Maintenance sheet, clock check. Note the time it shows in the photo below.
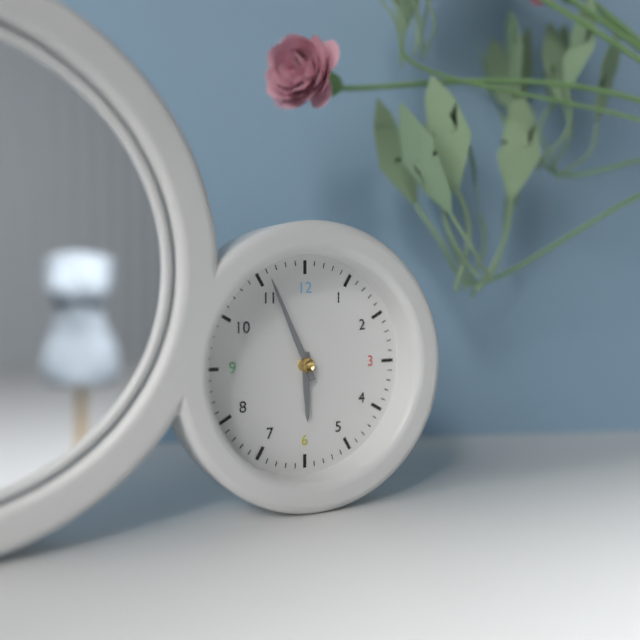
5:56
